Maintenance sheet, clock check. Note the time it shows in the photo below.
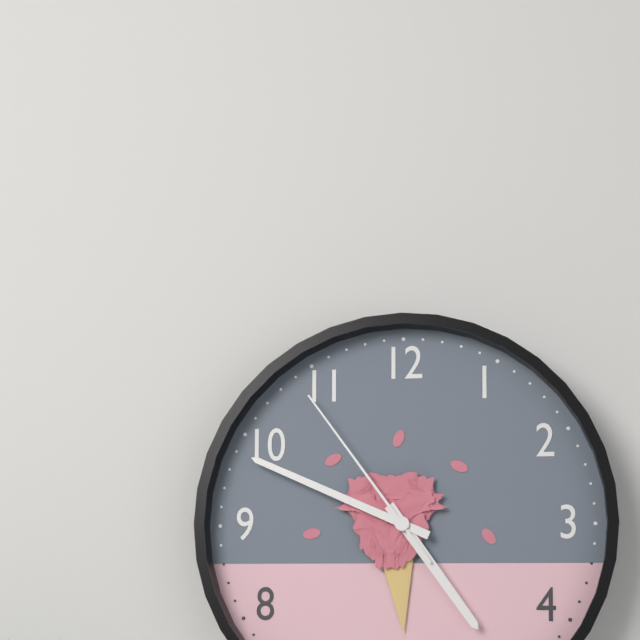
4:49:54
